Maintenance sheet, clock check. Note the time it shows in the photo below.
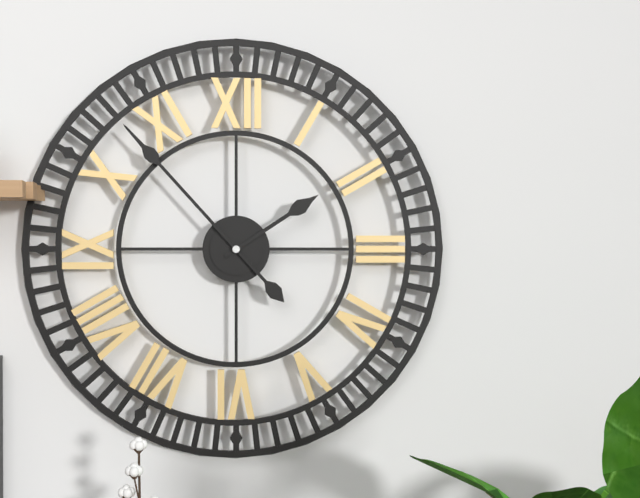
1:53
